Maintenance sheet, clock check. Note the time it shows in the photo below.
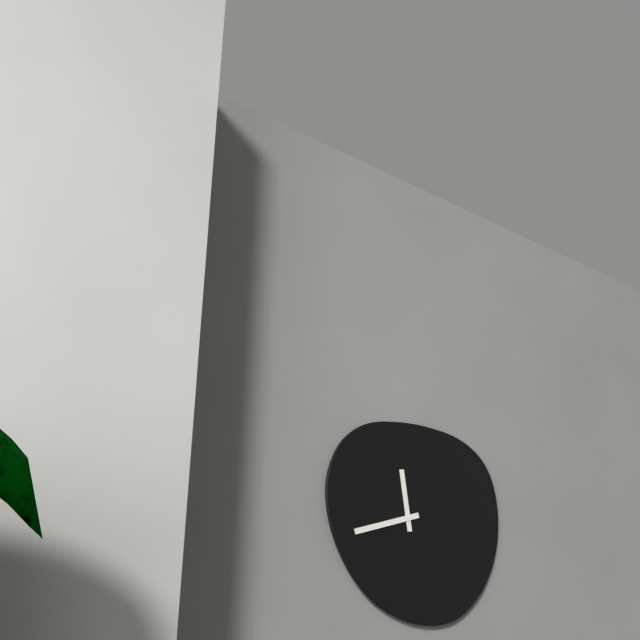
11:42
